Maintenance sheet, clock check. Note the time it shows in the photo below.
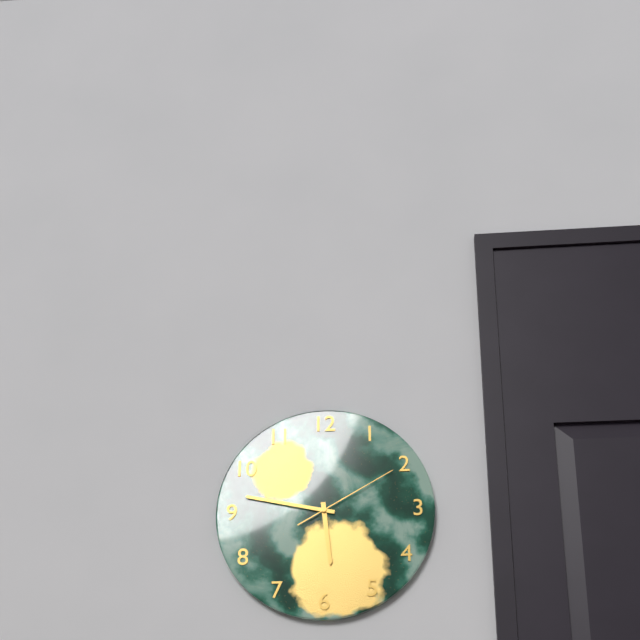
5:47:10
